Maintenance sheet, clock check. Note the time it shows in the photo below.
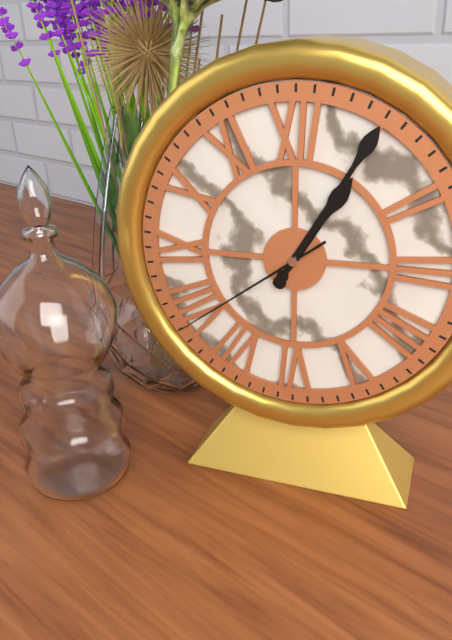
1:05:39
